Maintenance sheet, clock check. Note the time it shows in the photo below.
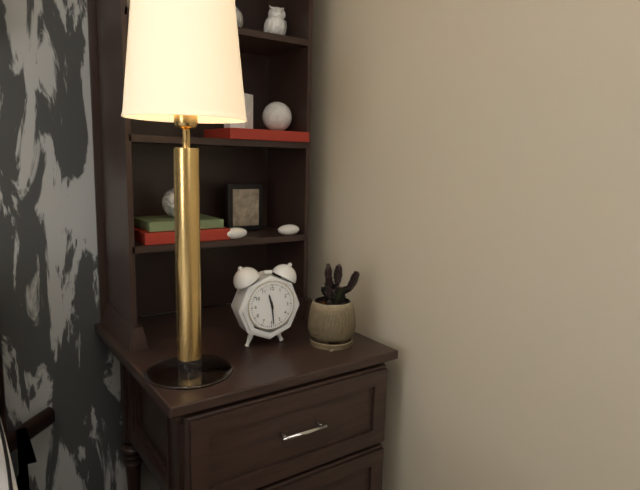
11:29
